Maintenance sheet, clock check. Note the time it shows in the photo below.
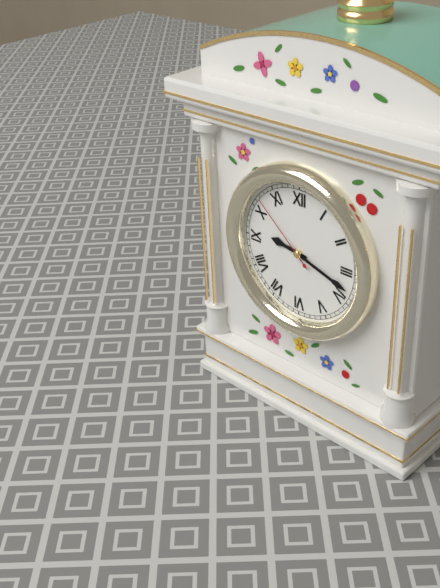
9:18:52
